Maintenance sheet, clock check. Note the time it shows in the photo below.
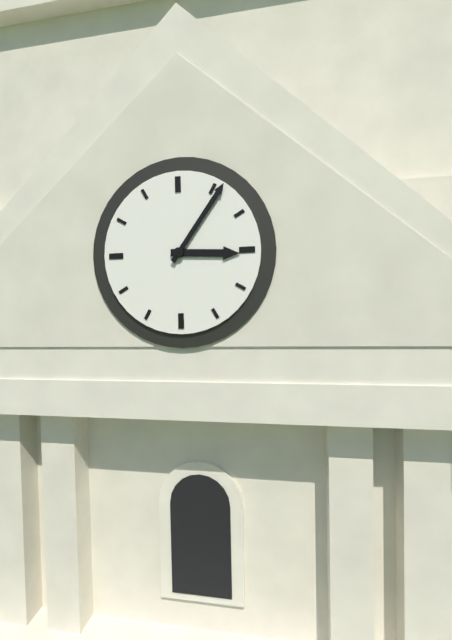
3:06
